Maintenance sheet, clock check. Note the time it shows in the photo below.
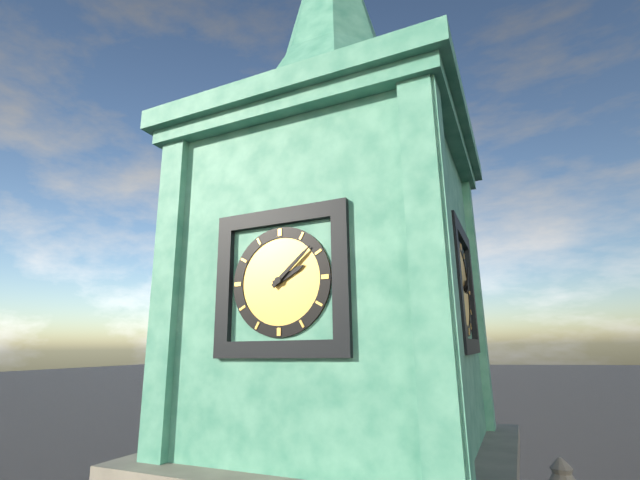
2:08
